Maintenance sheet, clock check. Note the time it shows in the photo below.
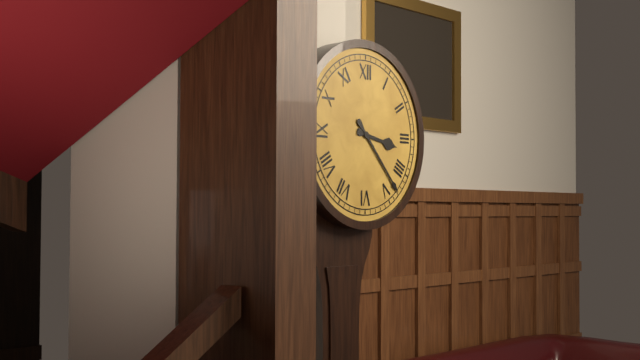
3:23
